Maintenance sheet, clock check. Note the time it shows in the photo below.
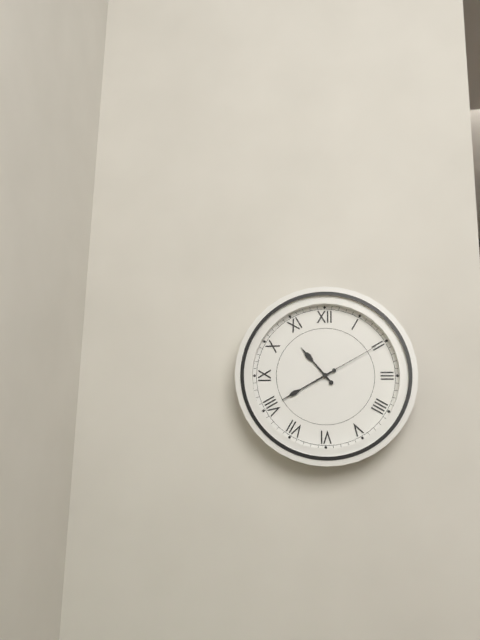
10:40:10
